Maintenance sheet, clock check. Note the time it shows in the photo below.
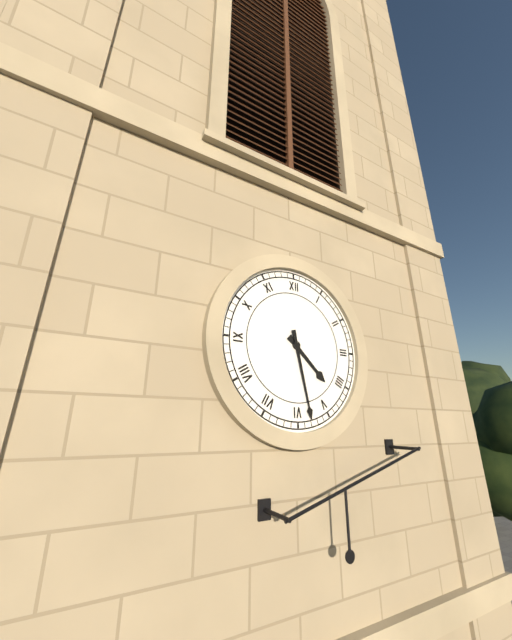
4:28
